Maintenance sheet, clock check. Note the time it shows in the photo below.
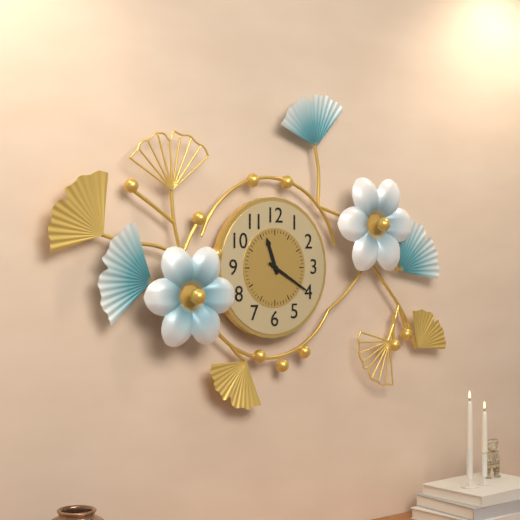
11:20
